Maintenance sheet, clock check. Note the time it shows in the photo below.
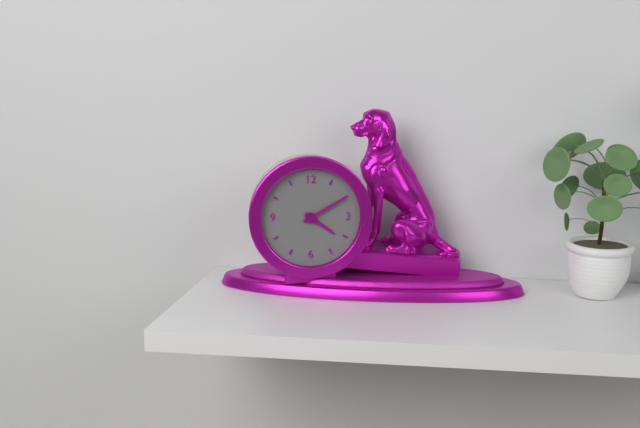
4:10
